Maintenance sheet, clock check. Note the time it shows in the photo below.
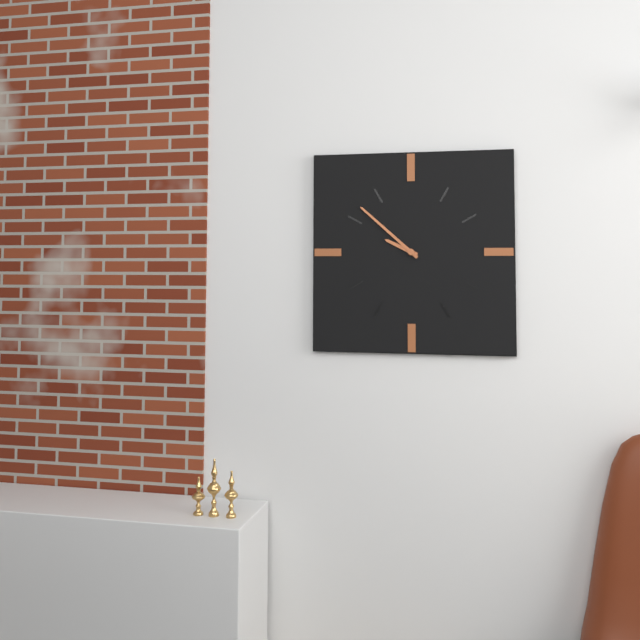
9:52
